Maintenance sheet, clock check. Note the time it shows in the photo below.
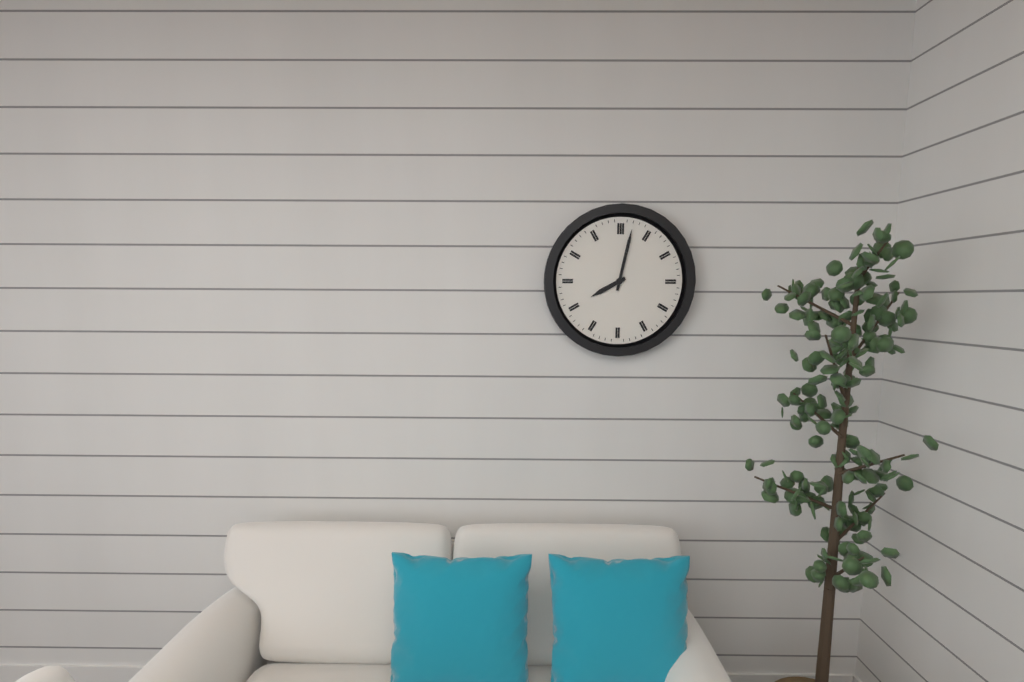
8:02
